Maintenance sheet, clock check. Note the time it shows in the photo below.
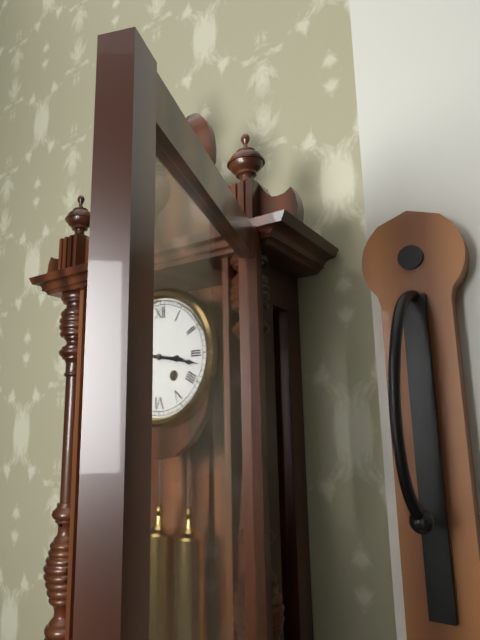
3:17
